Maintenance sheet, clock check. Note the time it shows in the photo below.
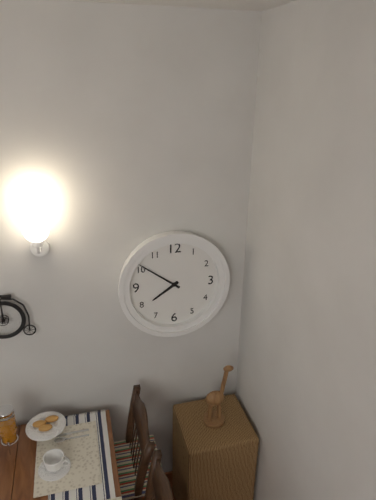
7:51
